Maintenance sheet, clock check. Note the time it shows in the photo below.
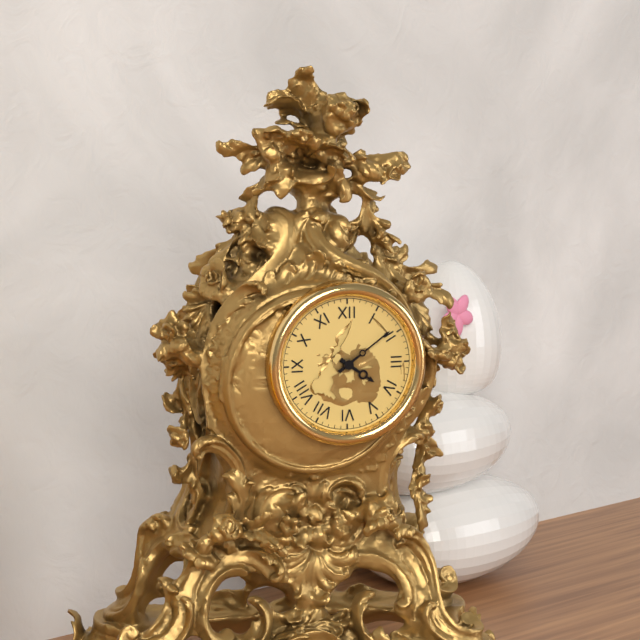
4:09
